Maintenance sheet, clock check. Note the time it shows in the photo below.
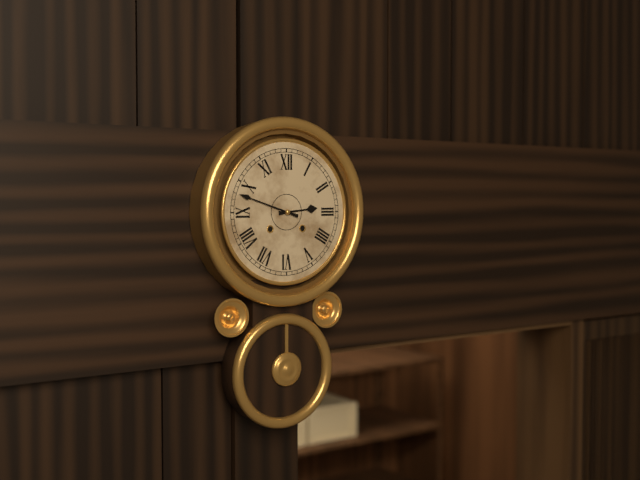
2:48
